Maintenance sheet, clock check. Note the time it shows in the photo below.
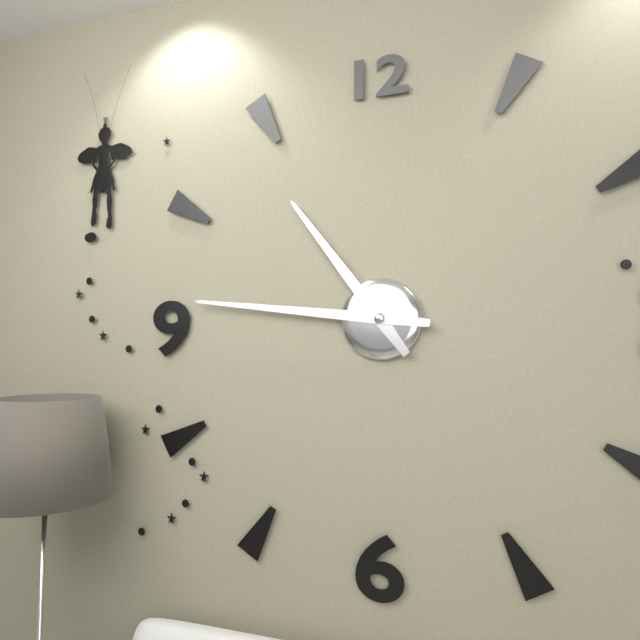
10:46
